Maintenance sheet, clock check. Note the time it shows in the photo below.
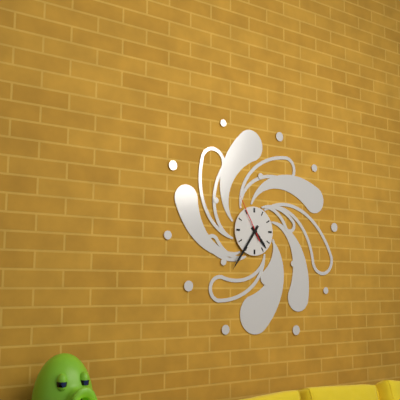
4:36
